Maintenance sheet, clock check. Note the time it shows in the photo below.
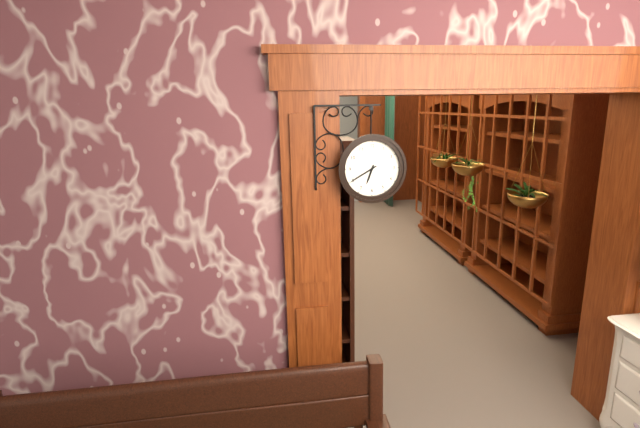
6:40
